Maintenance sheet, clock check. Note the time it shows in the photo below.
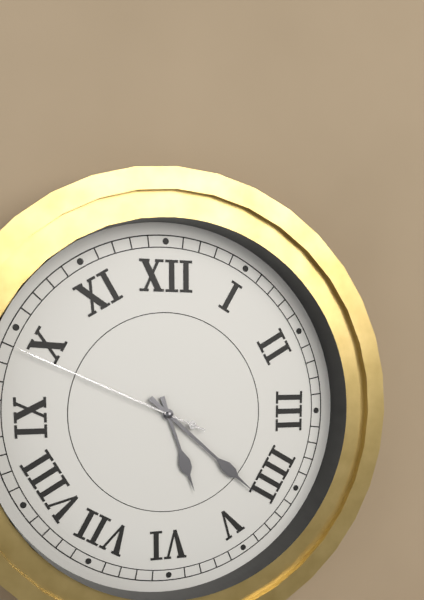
5:22:49
